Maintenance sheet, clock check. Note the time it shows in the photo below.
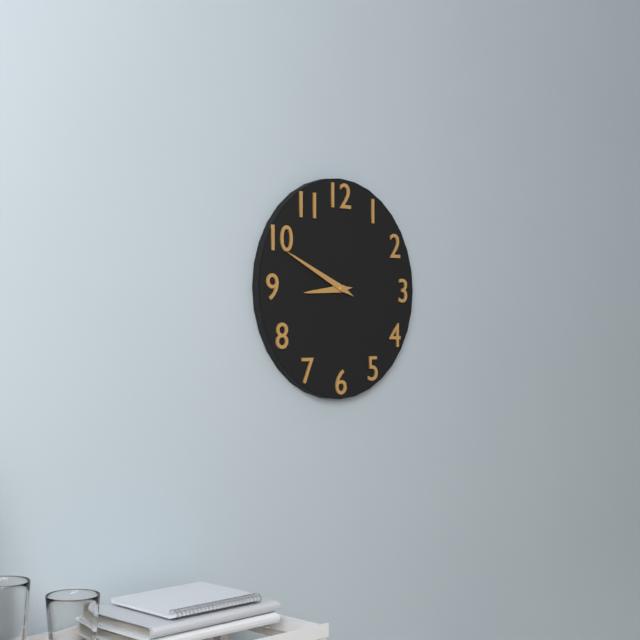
8:49
